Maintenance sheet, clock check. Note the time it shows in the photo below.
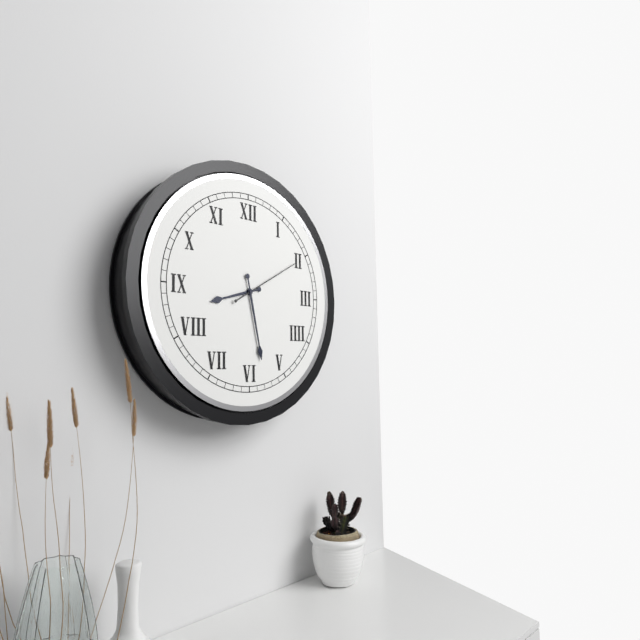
8:28:10
